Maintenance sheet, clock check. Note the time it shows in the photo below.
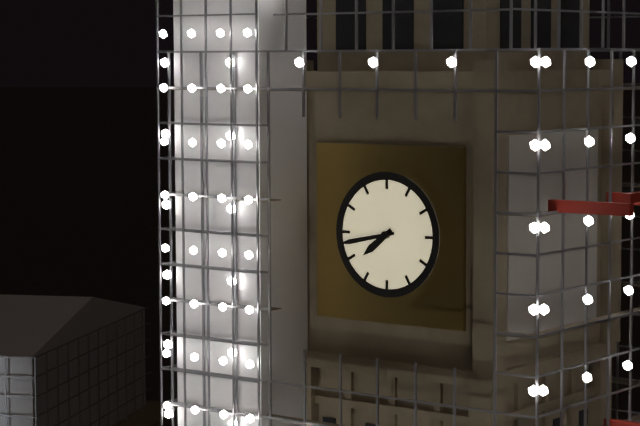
7:43
